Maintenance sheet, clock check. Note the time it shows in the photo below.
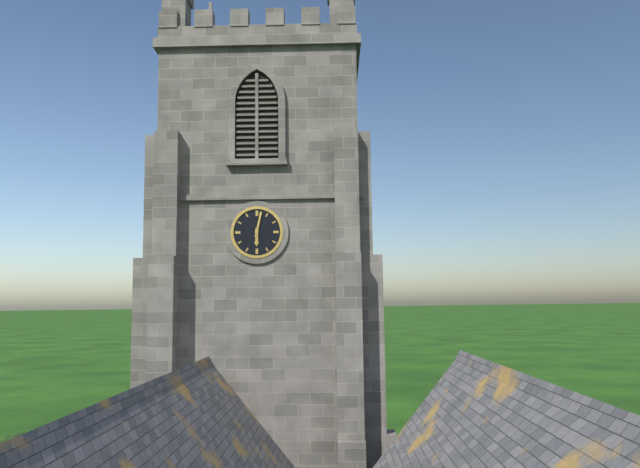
6:02
